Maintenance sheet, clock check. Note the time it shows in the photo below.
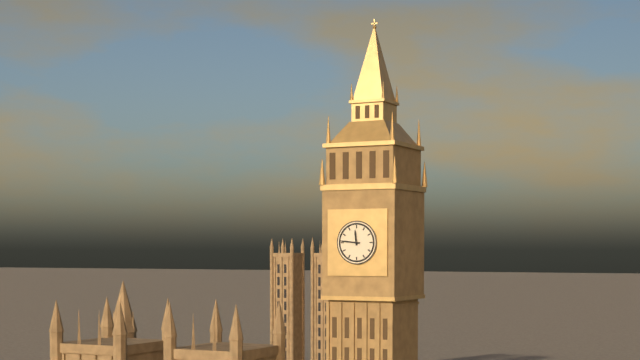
11:46
